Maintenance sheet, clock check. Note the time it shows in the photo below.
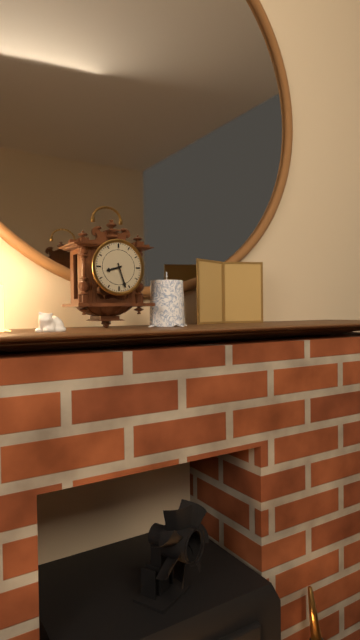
8:27
